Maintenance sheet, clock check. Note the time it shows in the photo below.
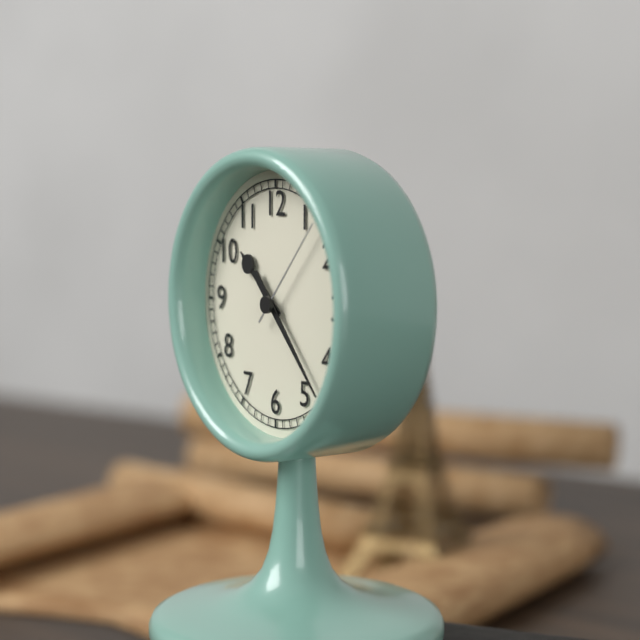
10:23:07
